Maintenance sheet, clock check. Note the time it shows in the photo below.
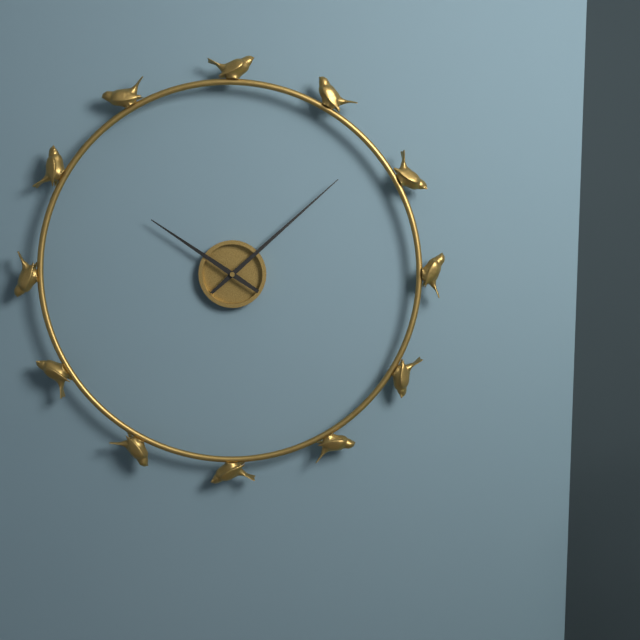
10:08
